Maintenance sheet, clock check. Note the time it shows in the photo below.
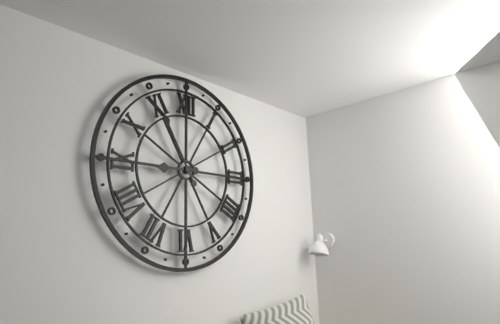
8:55
